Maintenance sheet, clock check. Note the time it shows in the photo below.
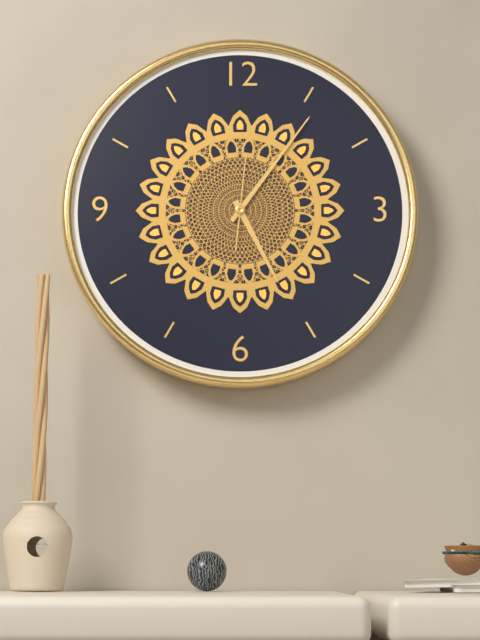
5:06:01
